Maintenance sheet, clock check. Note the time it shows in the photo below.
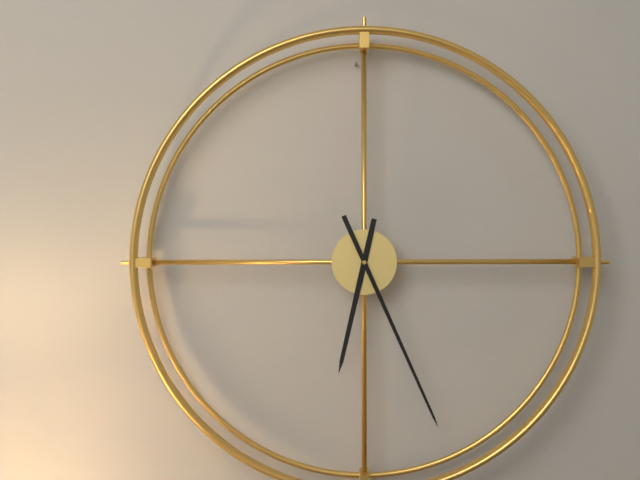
6:26
